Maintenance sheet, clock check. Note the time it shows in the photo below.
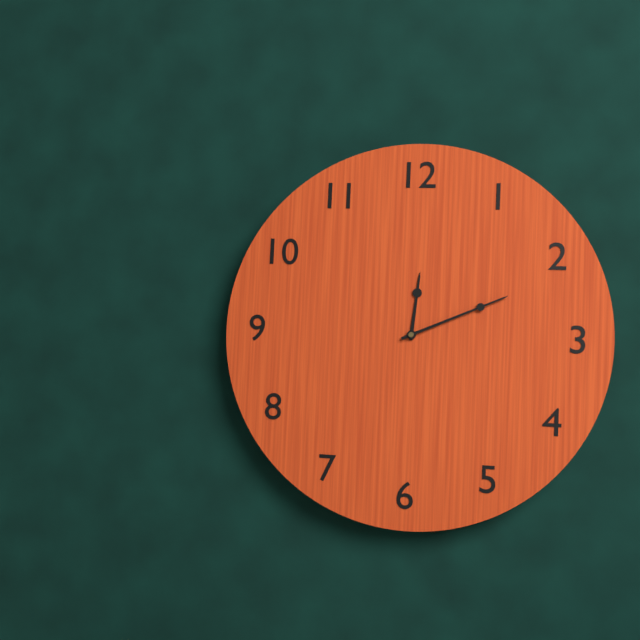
12:11
